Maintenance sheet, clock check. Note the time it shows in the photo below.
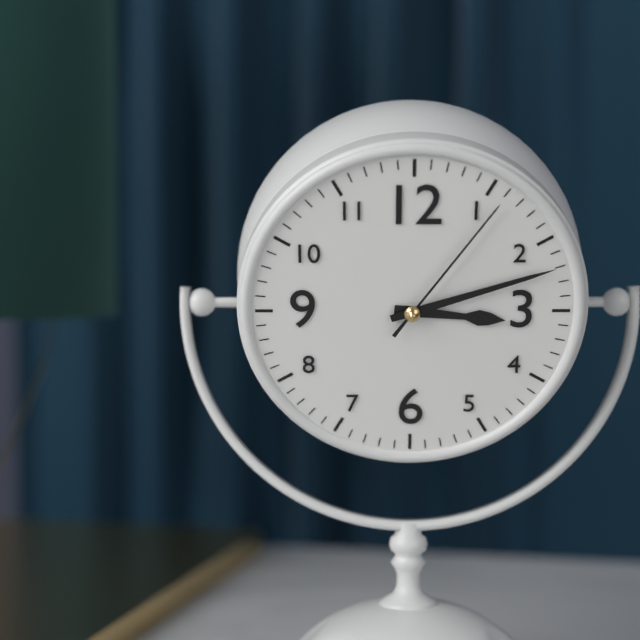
3:12:06
